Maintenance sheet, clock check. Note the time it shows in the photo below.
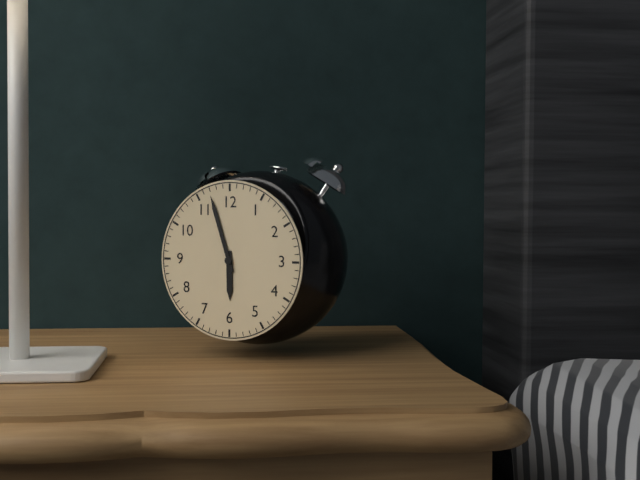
5:57
